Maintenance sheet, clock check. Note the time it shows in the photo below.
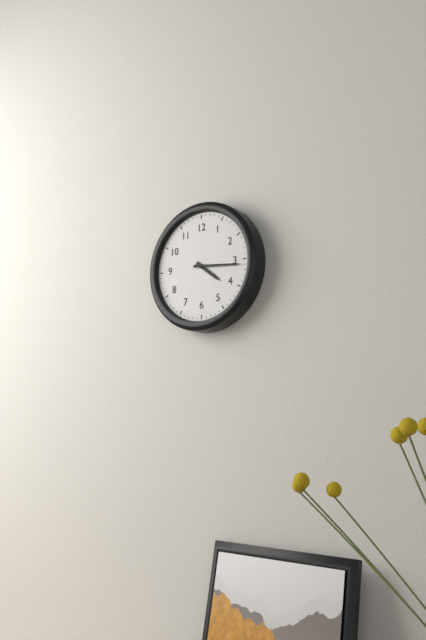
4:16
